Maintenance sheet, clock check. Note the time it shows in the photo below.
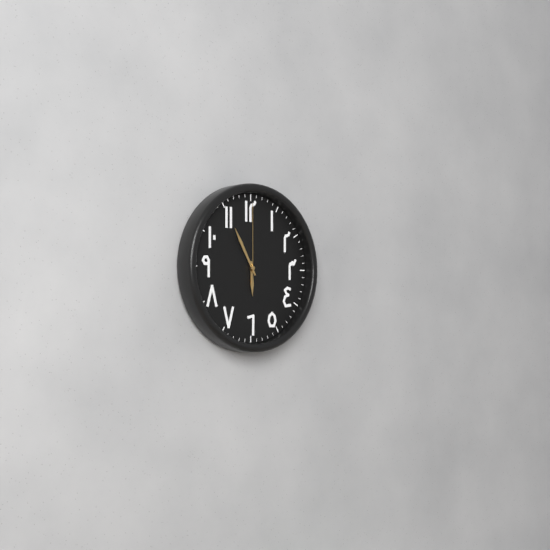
5:55:00
